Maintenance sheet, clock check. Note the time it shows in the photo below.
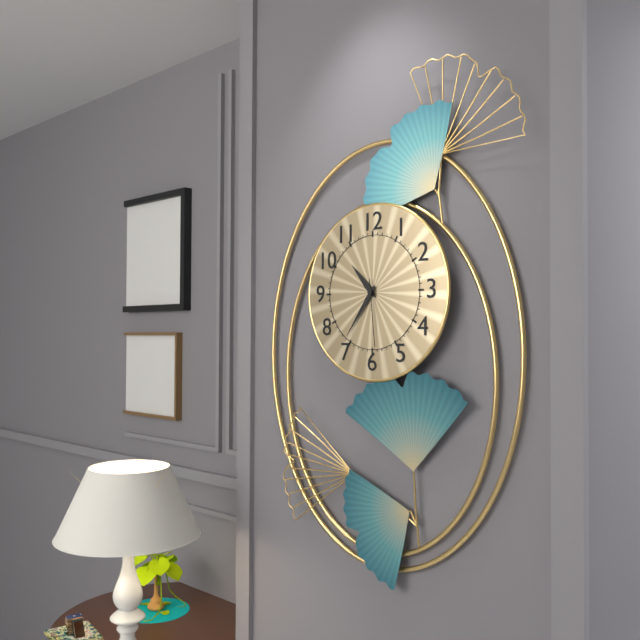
10:36:29
